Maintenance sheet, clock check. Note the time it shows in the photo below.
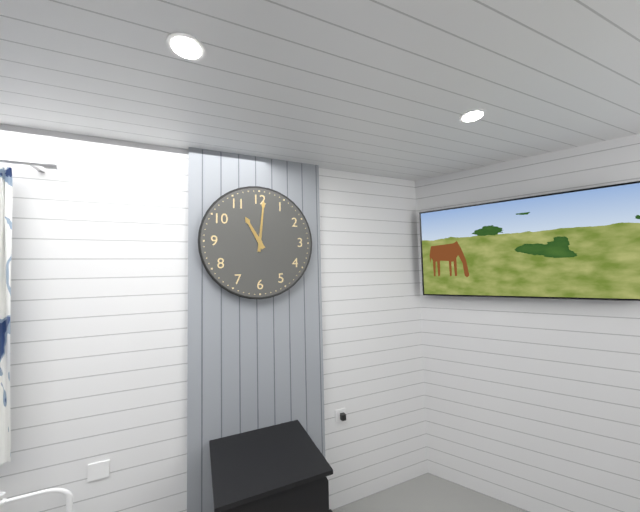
11:01
